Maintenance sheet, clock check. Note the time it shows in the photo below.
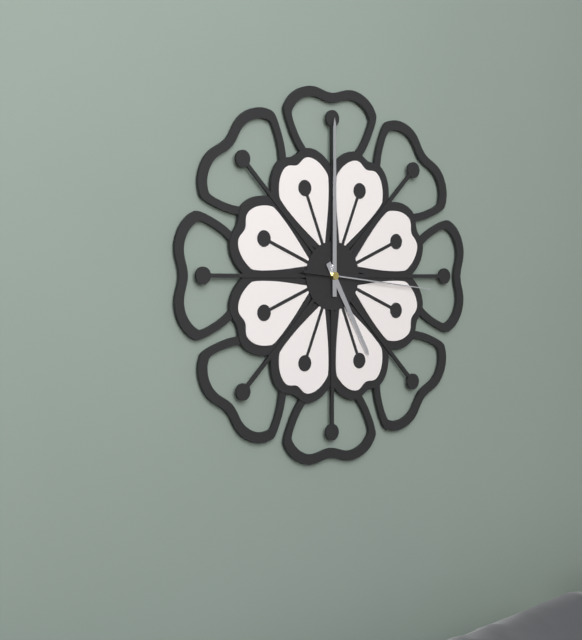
5:00:16
